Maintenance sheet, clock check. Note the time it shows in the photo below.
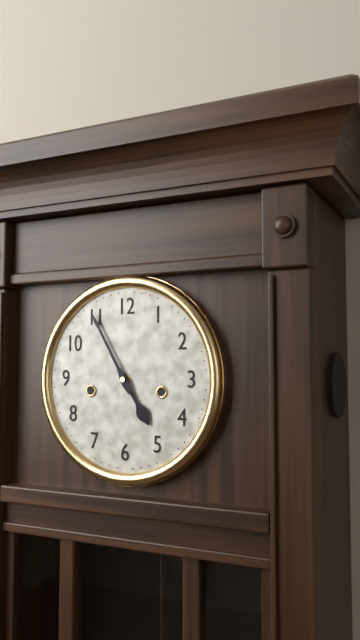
4:55
